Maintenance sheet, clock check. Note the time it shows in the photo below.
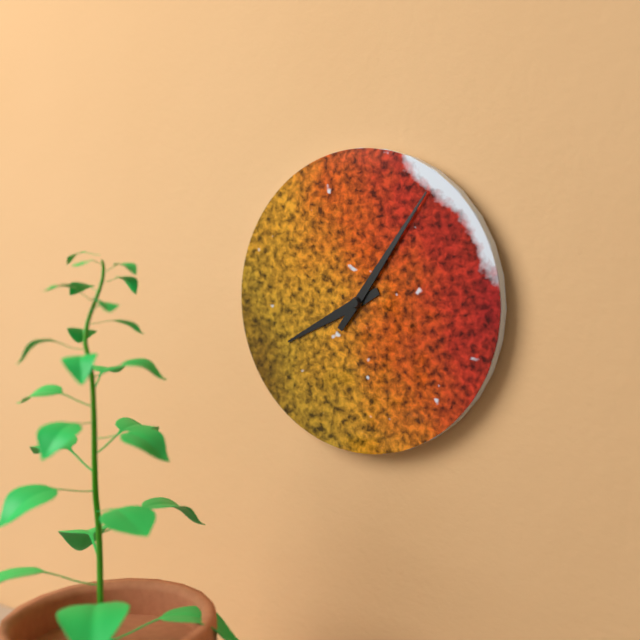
8:06
